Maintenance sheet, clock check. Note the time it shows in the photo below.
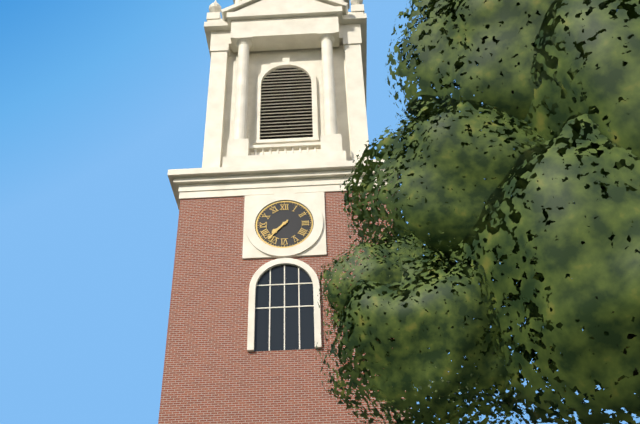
7:37
